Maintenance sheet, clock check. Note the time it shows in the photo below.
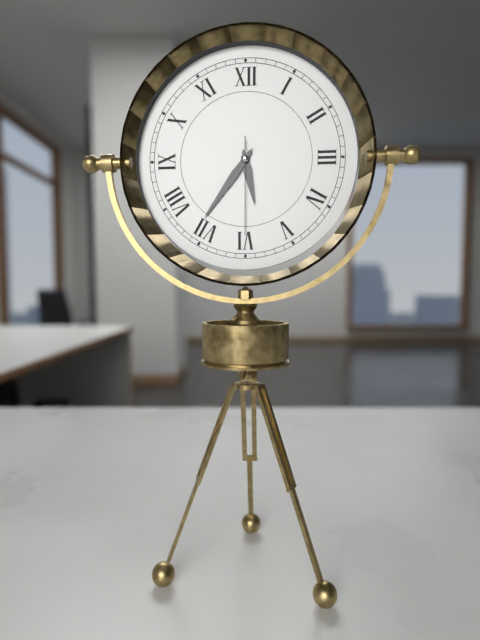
5:36:30
